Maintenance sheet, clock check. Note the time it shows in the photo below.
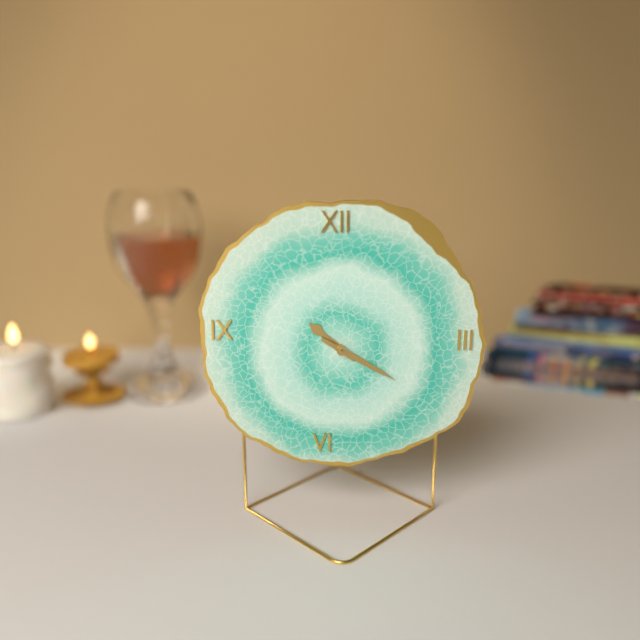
10:20
